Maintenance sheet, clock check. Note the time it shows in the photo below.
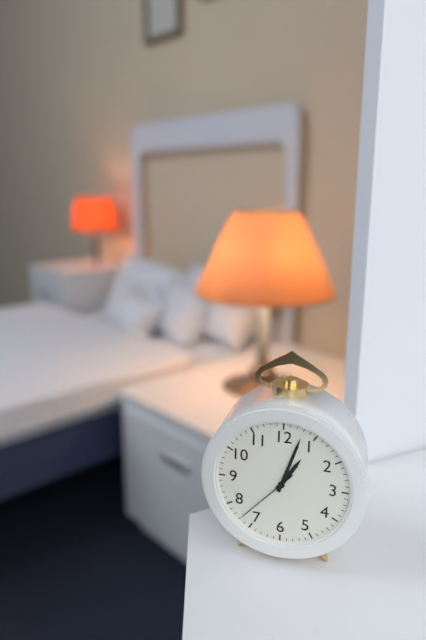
1:03:37
